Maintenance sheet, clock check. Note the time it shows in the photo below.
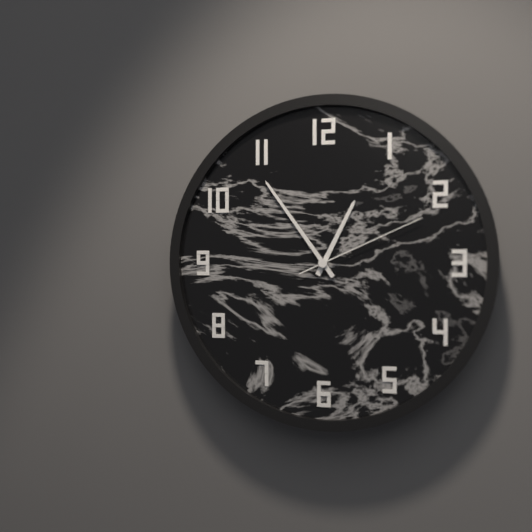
12:54:11
